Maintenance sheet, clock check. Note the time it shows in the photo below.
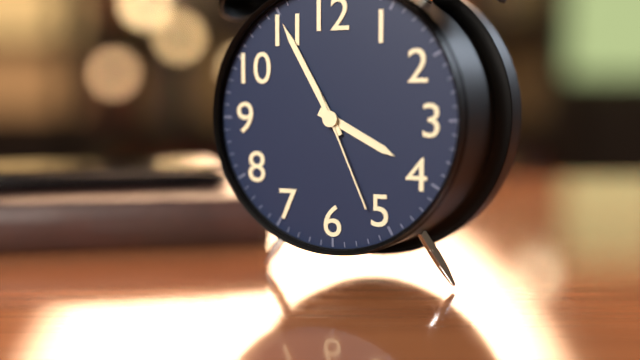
3:55:26
